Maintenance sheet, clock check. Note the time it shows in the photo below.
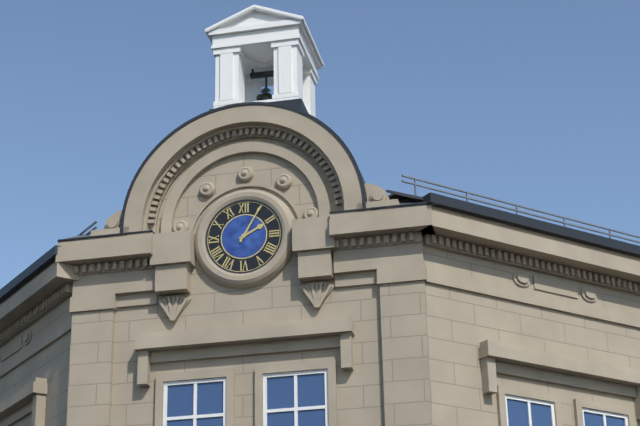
2:05
